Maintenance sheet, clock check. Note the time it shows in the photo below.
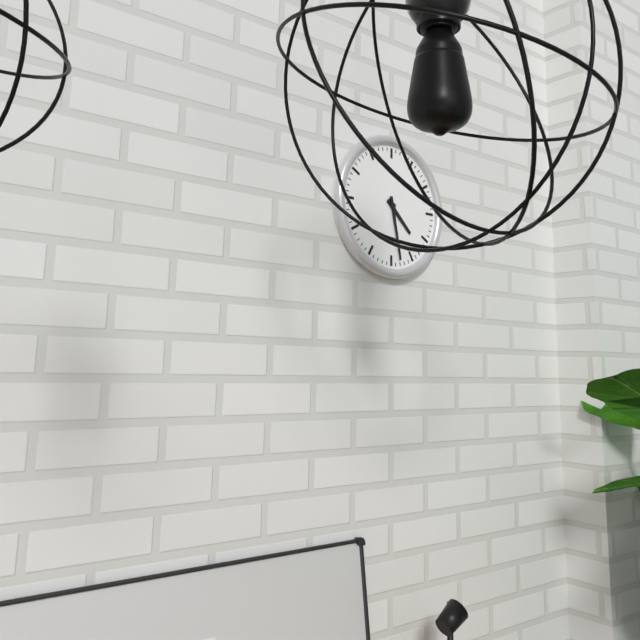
4:28
